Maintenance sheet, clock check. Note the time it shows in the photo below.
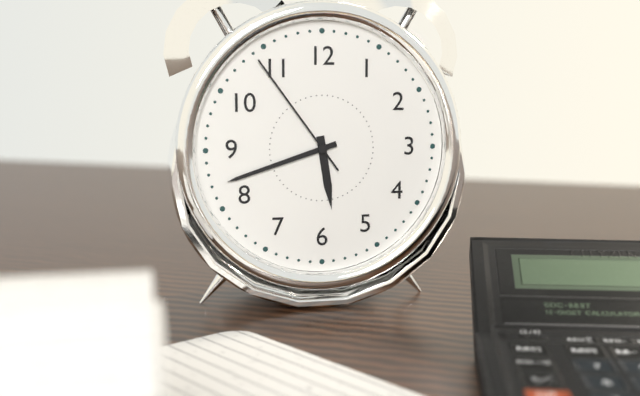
5:42:54
